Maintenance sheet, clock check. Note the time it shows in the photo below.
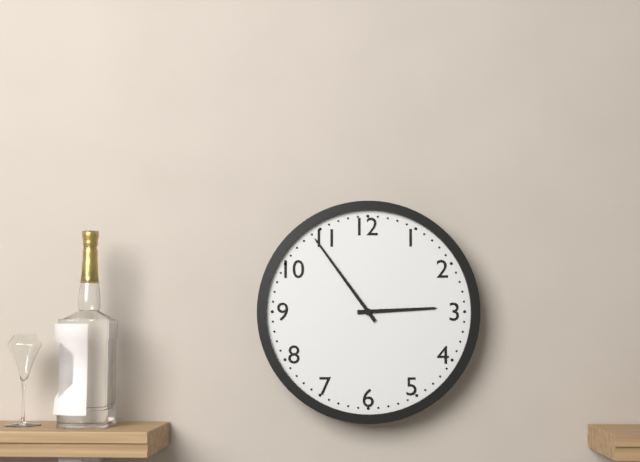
2:54
